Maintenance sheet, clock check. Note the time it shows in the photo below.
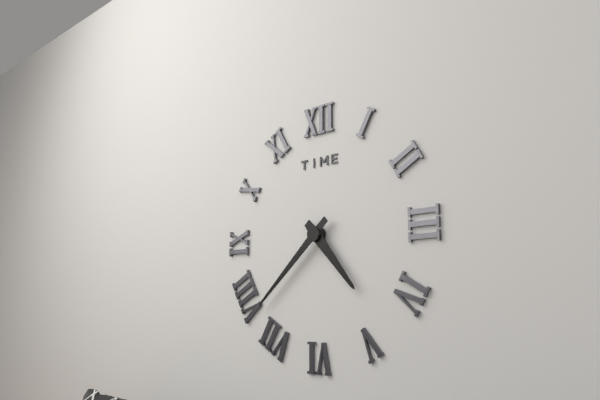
4:38
